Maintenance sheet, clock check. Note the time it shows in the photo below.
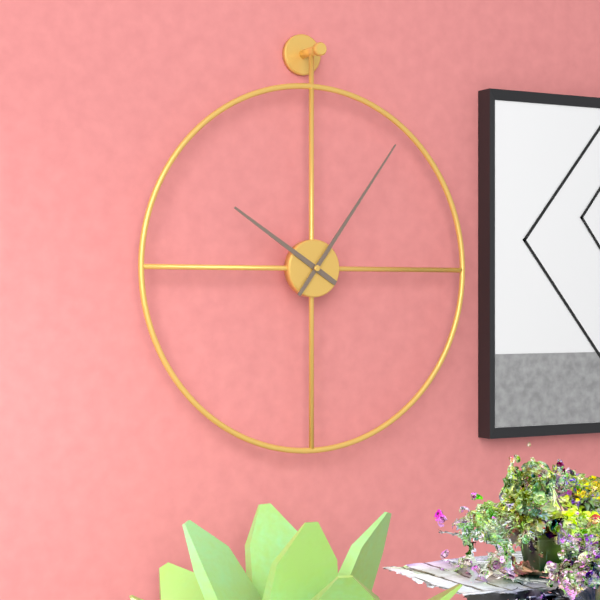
10:06
